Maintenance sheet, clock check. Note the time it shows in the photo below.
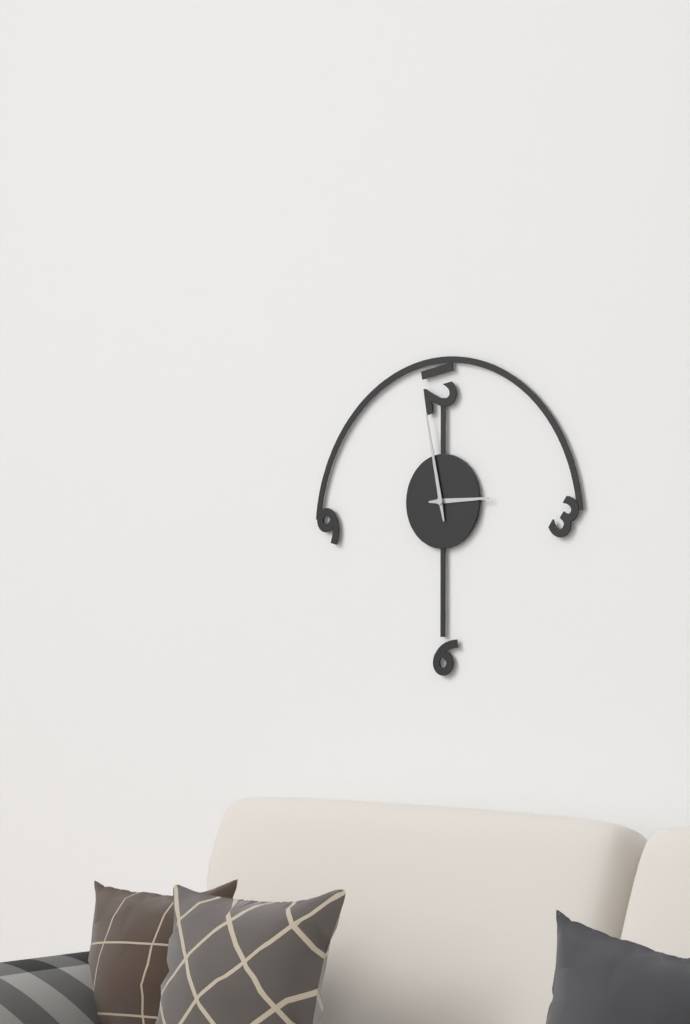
2:58
